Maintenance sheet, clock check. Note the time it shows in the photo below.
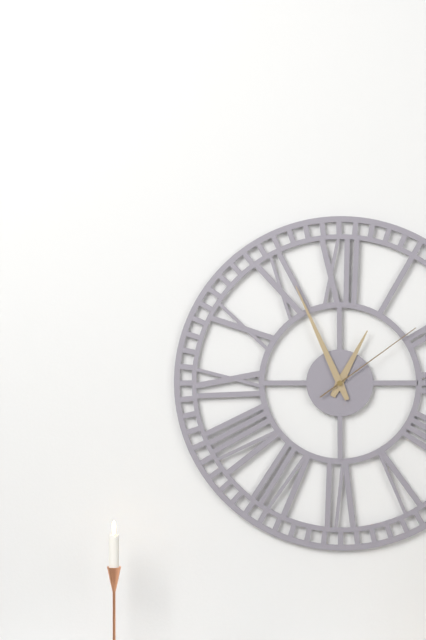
12:56:09
